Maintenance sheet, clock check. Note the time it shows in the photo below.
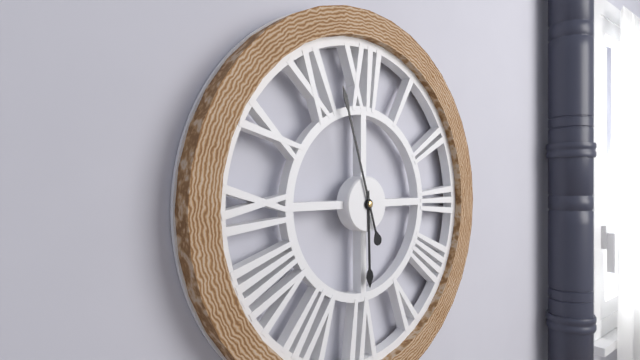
5:57
